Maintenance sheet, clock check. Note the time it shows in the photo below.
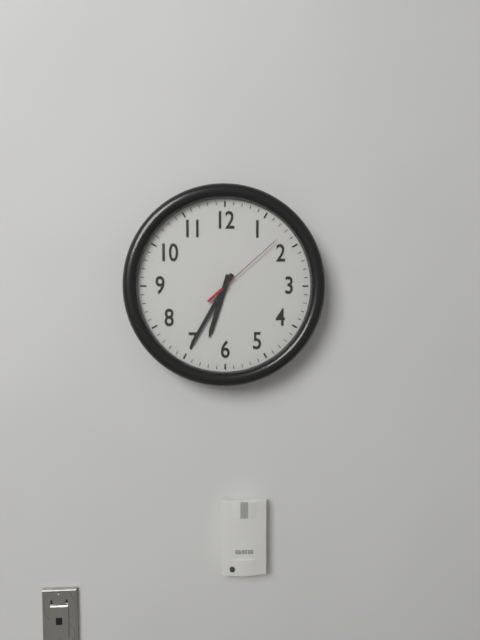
6:35:08
